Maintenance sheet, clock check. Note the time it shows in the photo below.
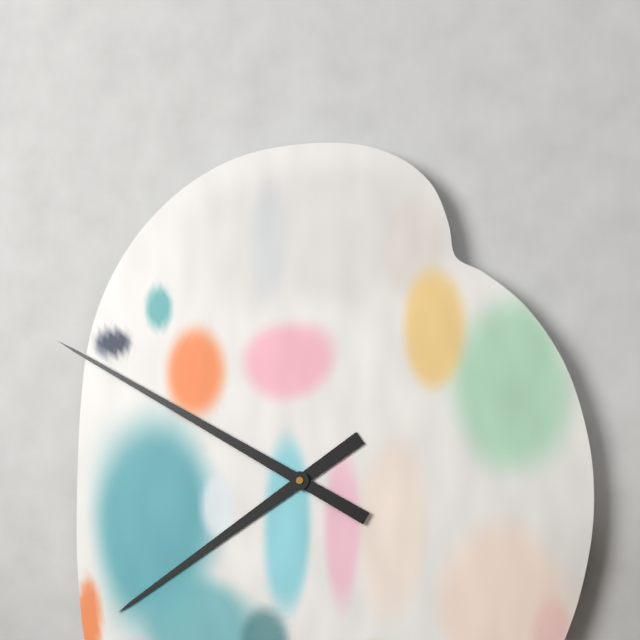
7:50
